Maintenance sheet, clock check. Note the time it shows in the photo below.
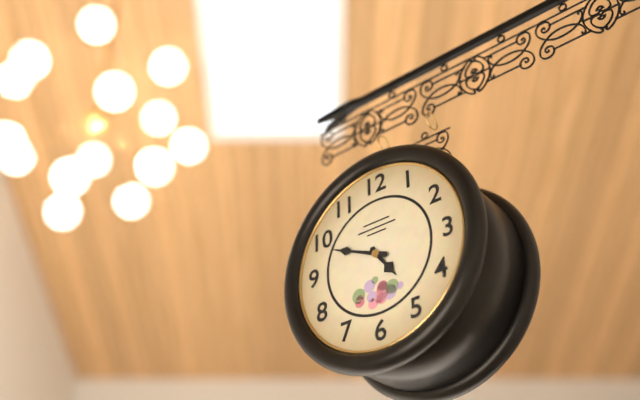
4:49
